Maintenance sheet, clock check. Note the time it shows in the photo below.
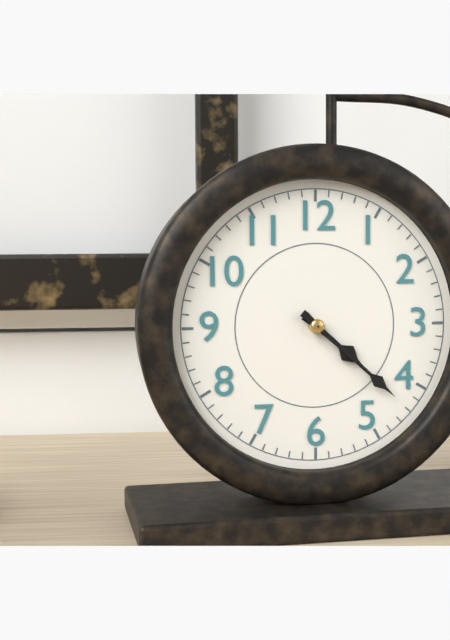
4:22
